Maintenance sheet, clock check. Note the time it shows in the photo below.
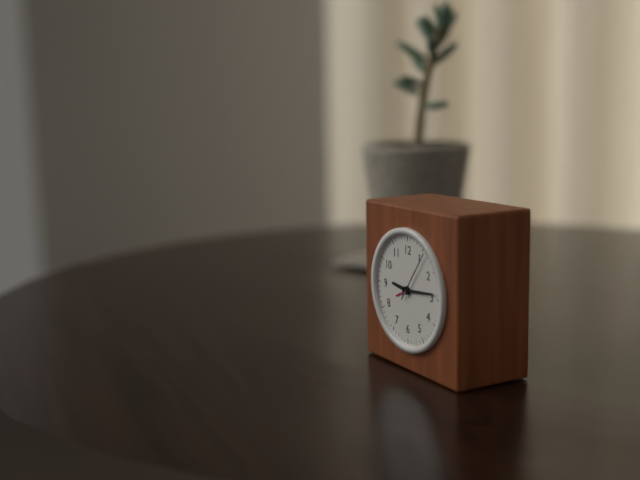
9:14:06
